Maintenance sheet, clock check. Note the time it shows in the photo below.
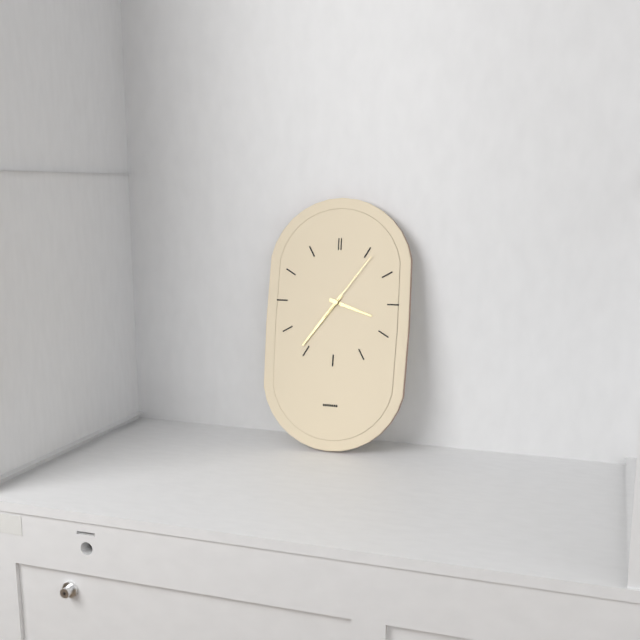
3:36:06
